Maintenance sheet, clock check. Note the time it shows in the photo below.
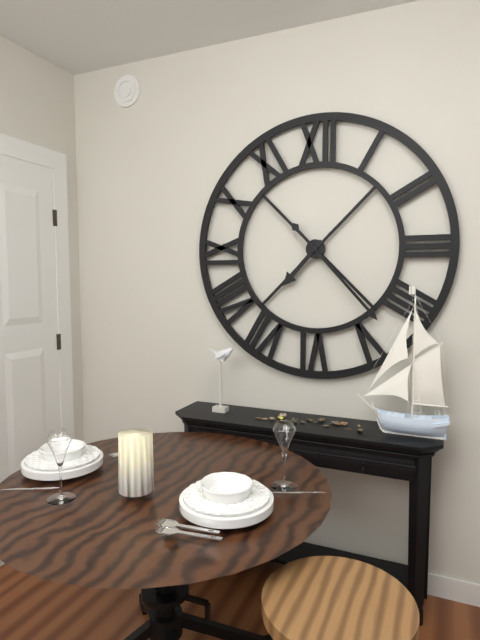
7:23
